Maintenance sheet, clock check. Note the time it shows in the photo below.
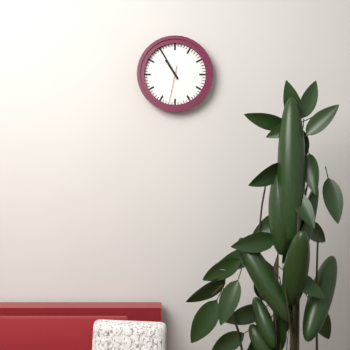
10:55
